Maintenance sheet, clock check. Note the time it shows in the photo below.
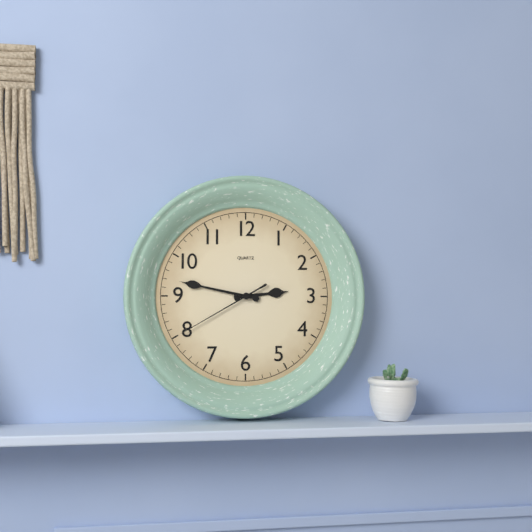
2:47:40
